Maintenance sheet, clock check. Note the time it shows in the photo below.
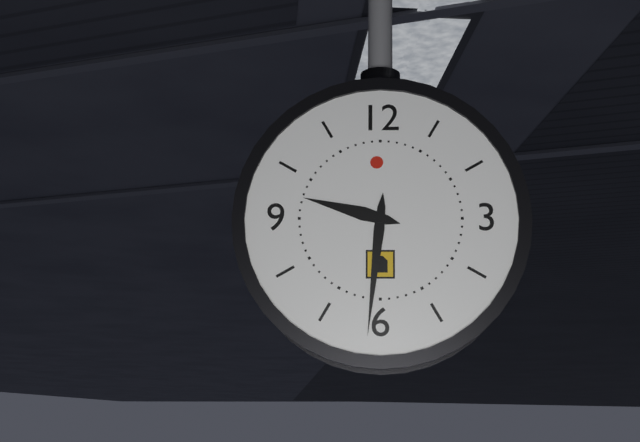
9:31
